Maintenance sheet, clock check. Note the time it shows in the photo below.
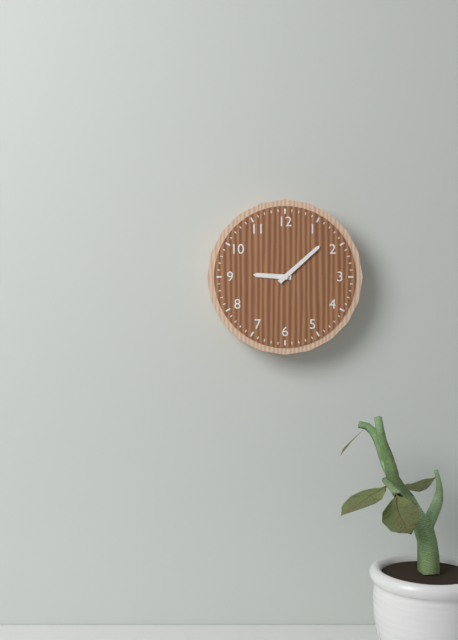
9:08
